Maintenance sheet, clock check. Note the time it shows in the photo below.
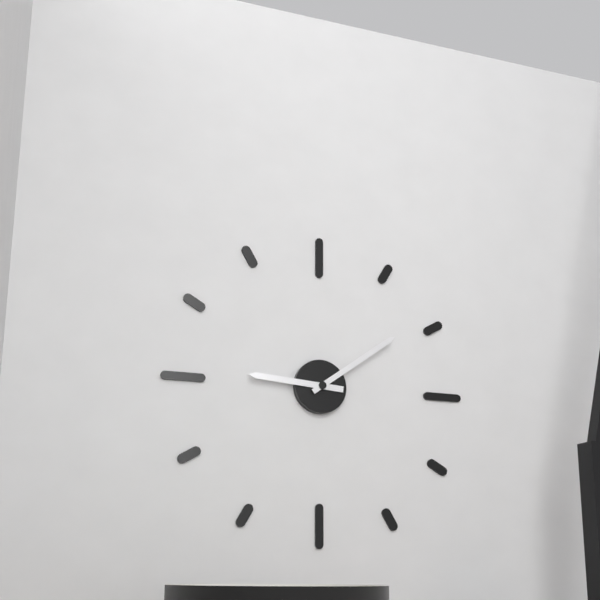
9:09
